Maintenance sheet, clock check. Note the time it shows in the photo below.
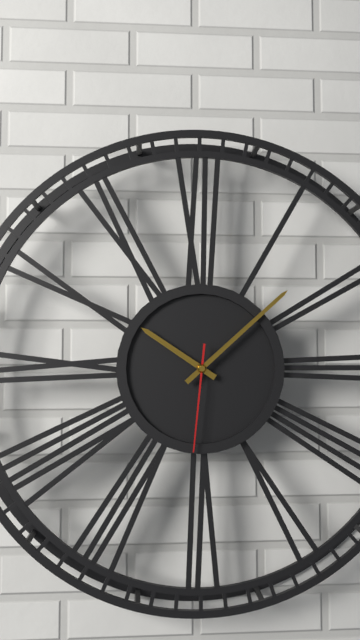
10:08:31
